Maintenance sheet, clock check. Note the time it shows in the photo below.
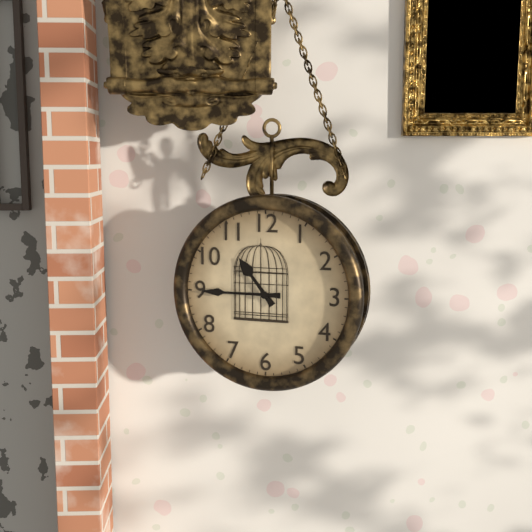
10:45
